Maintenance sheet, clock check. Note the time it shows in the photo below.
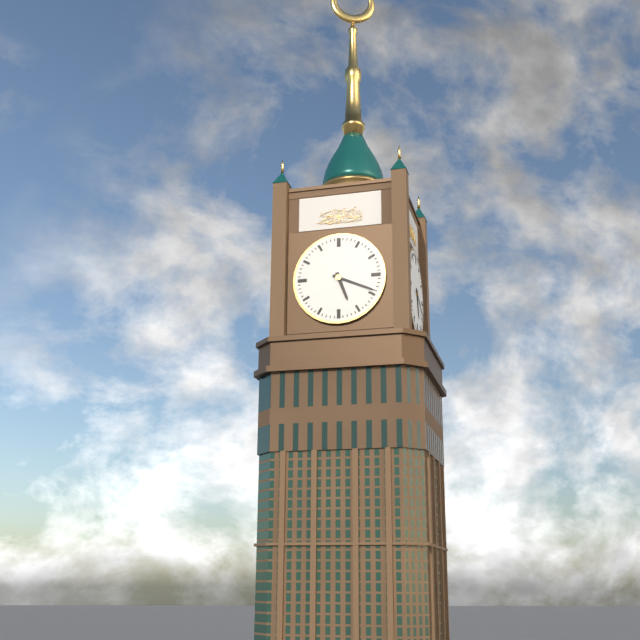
5:19
